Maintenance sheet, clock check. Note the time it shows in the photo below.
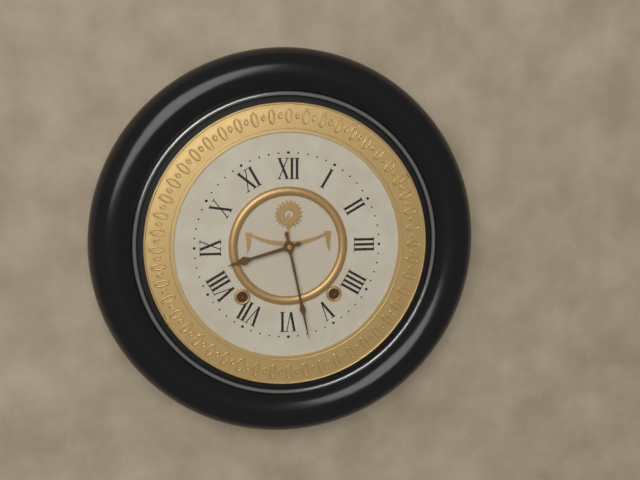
8:28
